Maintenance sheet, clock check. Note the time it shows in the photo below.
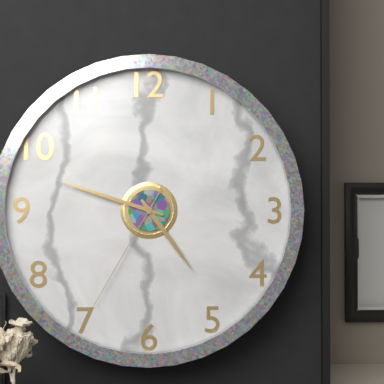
4:48:35
